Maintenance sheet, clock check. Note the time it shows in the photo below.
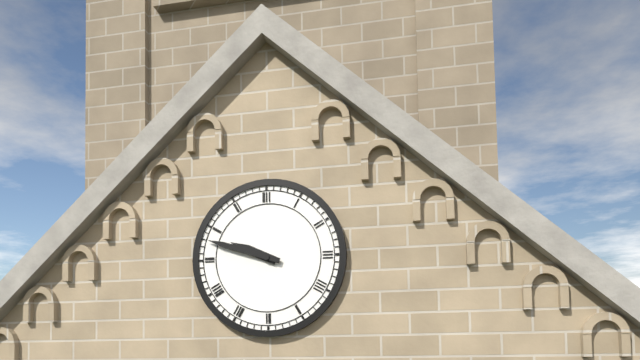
9:48
